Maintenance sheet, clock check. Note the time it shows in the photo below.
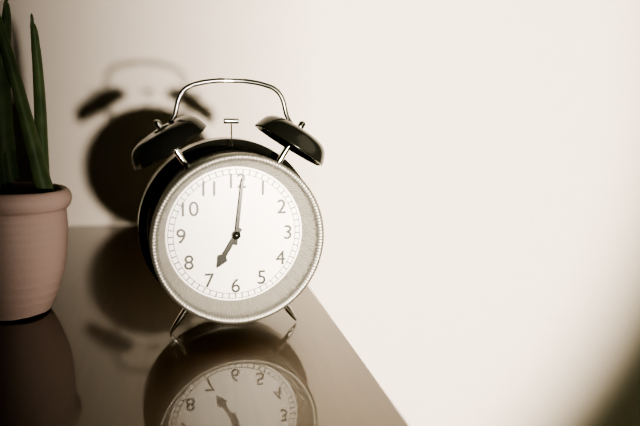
7:01
